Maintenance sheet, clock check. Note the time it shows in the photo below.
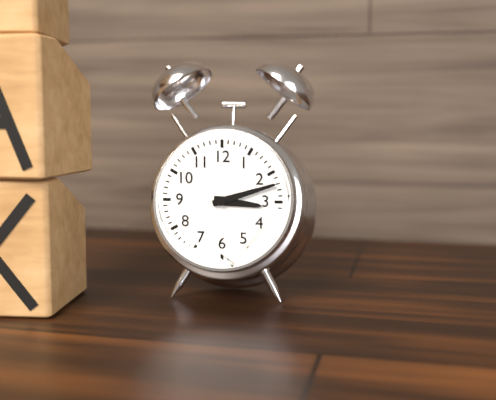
3:12
